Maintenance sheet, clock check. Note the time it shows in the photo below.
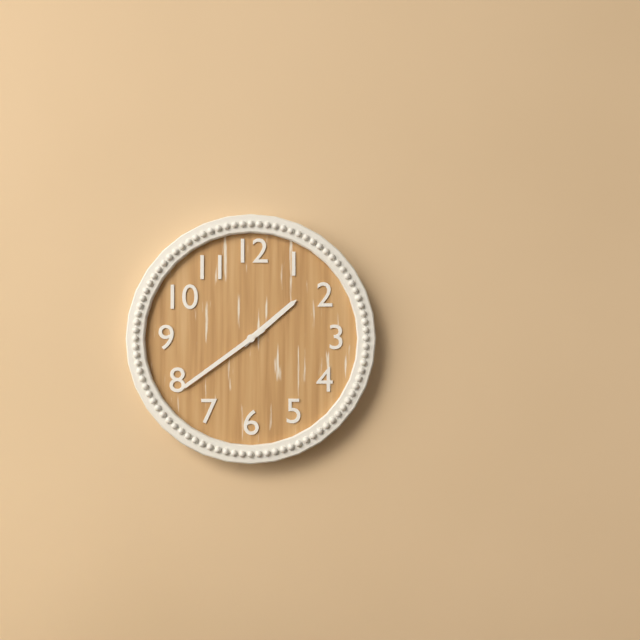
1:39
